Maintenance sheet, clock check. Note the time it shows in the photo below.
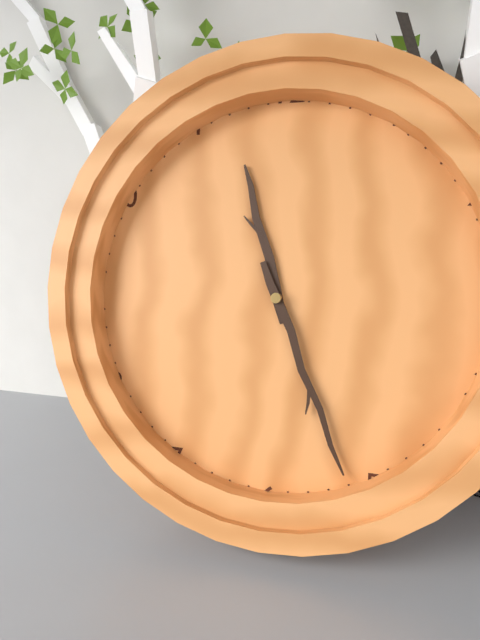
11:26
